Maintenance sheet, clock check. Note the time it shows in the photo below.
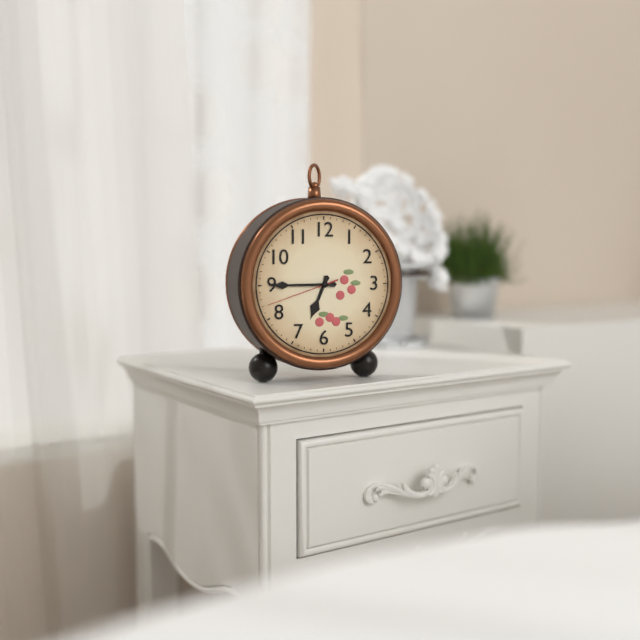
6:45:42
